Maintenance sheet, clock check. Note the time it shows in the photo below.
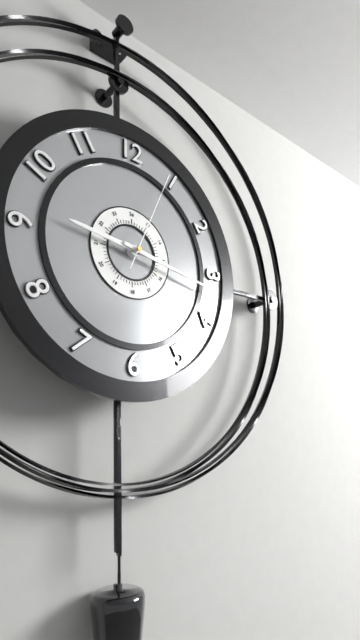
9:17:04
